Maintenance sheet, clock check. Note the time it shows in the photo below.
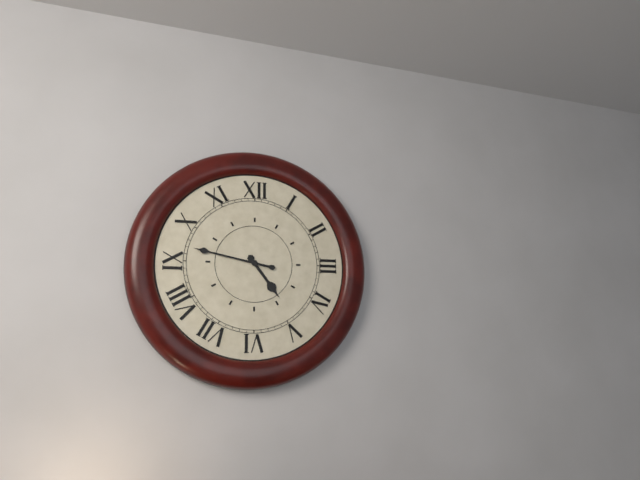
4:47
